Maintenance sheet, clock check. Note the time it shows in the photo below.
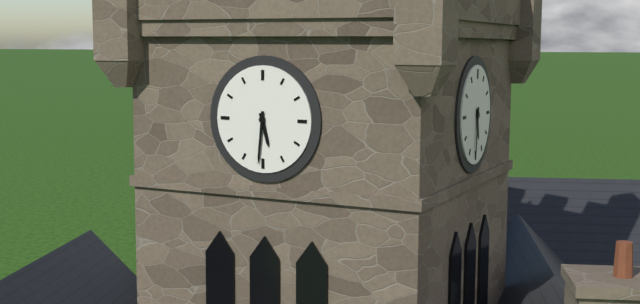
5:31
